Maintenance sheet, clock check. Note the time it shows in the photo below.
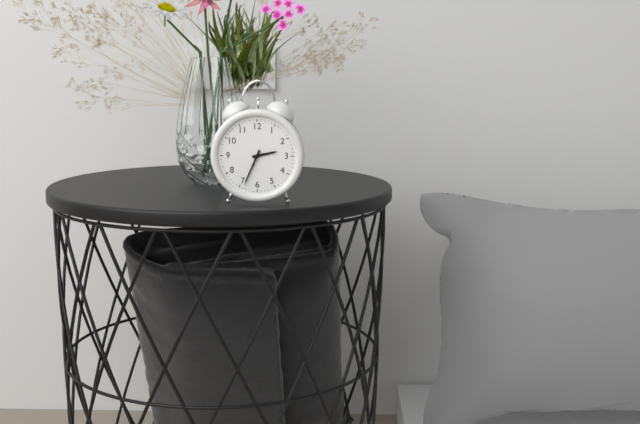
2:34
